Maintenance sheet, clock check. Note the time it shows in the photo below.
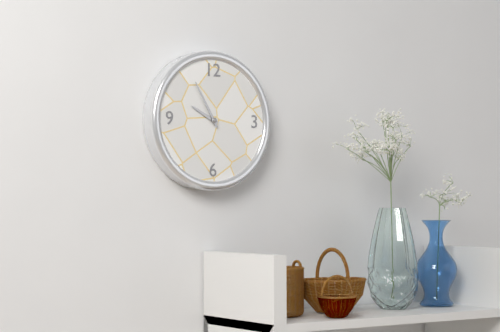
9:55
